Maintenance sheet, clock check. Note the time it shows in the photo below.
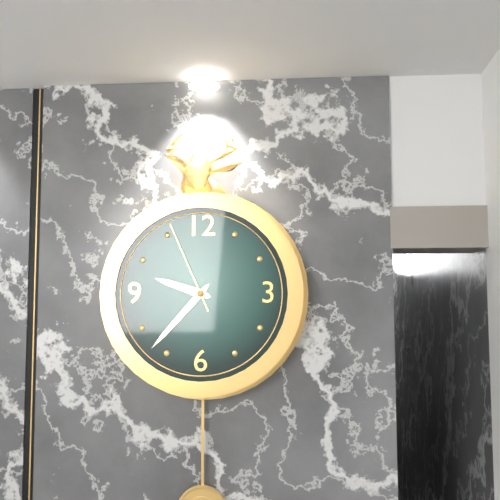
9:37:56
